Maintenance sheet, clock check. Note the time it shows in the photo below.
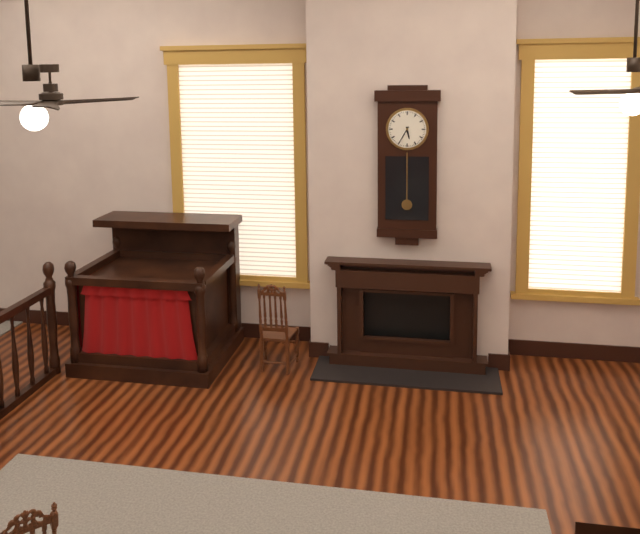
5:35
